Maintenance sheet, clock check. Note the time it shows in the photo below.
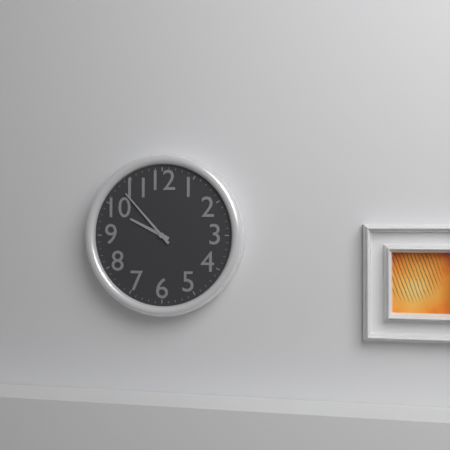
9:53
